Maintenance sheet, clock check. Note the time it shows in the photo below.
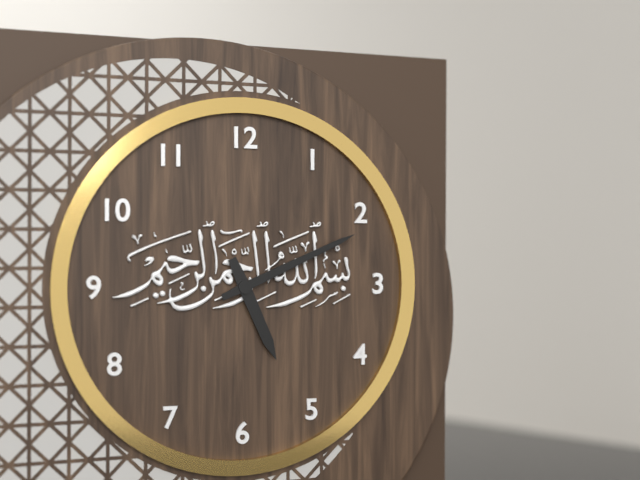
5:11
